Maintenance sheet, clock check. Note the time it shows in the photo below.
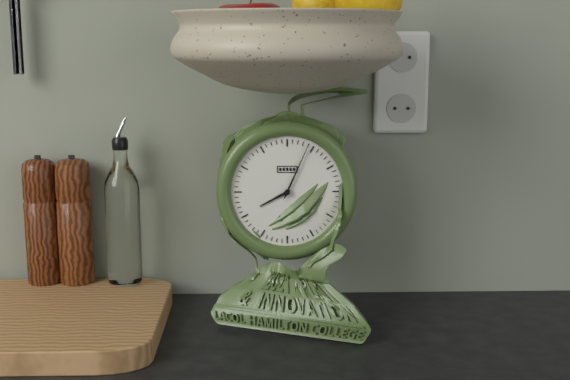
8:04
